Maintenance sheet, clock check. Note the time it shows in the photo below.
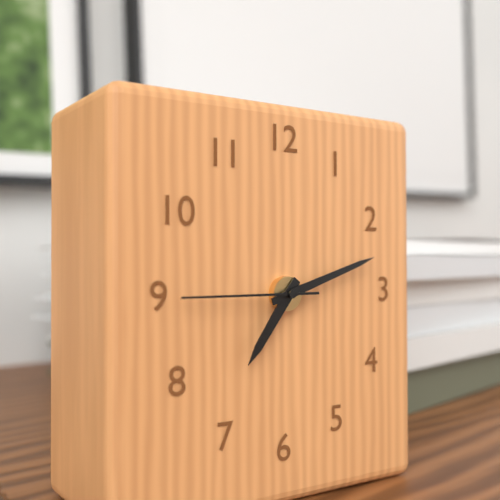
7:12:45
